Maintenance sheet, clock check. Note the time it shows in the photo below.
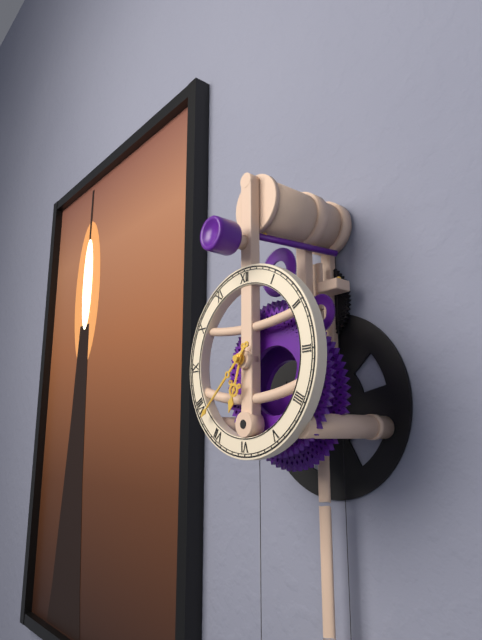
6:38
